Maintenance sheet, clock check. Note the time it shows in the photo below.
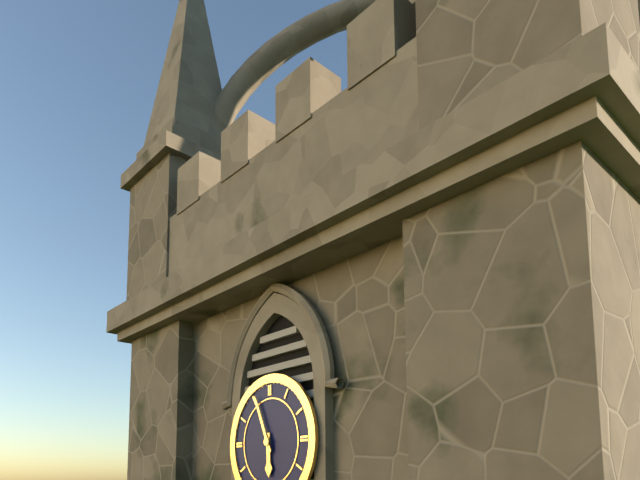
5:56
